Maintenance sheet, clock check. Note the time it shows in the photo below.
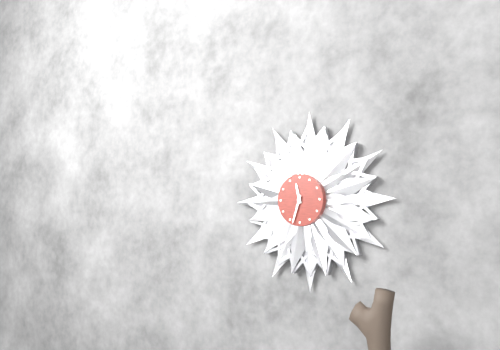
11:33
